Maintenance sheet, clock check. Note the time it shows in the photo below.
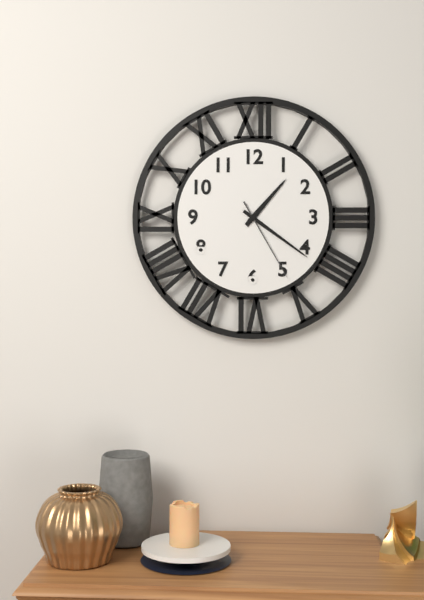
1:21:25
